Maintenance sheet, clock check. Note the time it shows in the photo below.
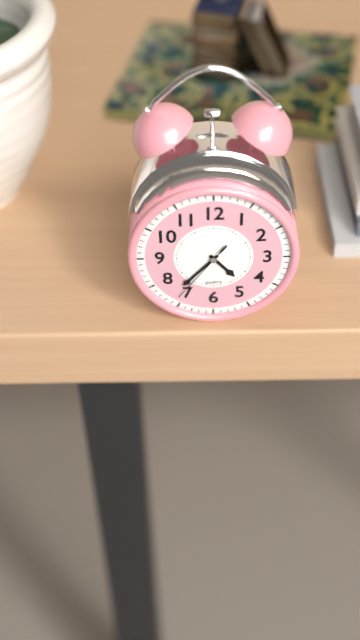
4:37:36
